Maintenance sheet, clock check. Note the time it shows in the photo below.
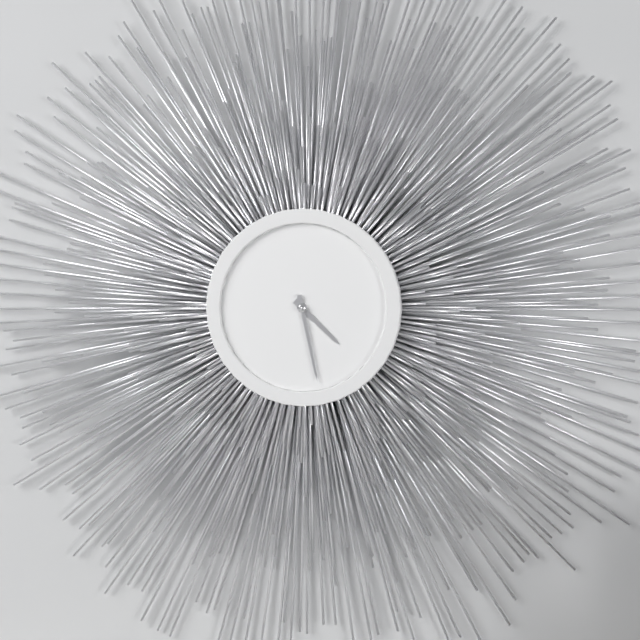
4:28
